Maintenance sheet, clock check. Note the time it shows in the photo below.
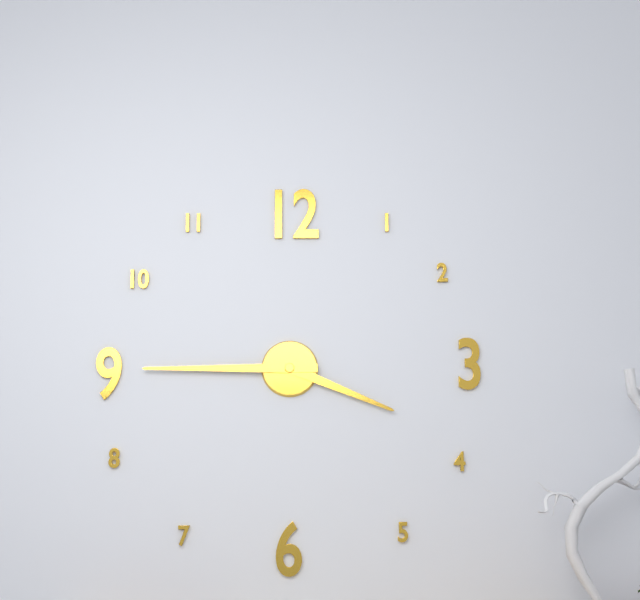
3:45
